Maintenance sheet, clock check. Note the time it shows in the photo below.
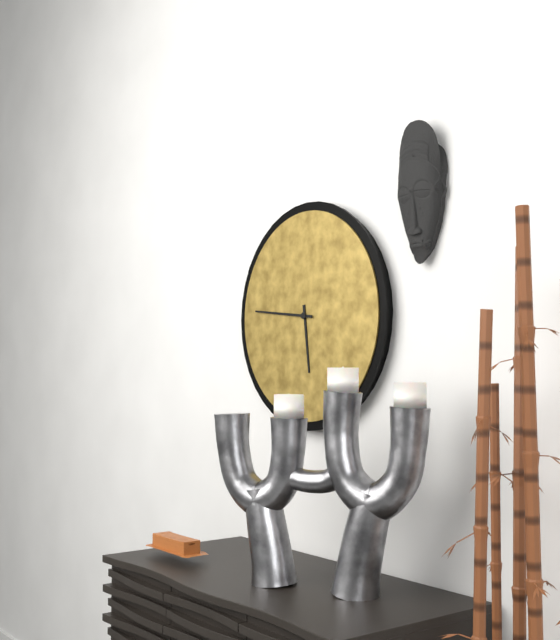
5:46
